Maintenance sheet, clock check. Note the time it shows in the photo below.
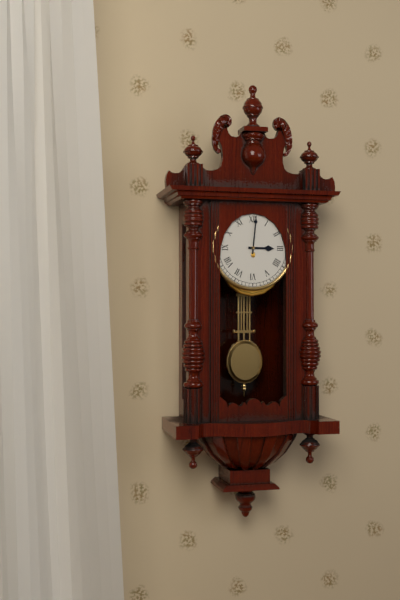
3:01
